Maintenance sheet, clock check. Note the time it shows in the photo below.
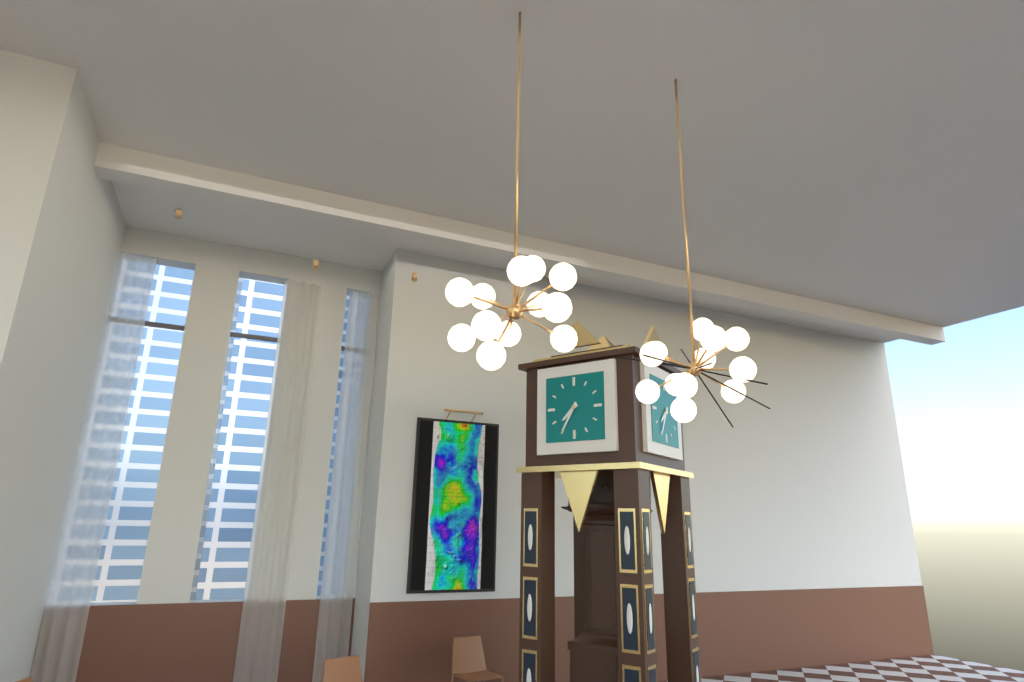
7:35
